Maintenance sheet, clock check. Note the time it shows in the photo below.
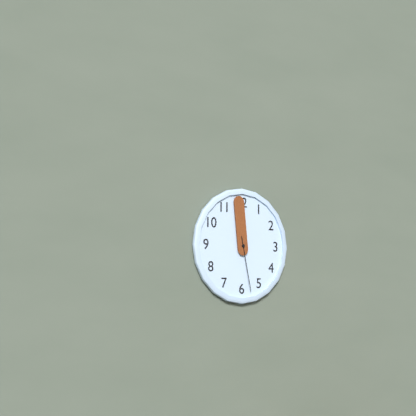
11:59:28
